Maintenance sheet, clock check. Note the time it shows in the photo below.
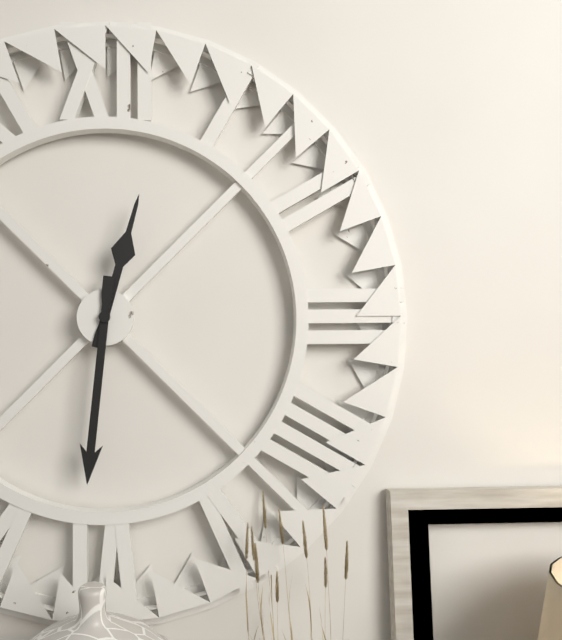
12:31
